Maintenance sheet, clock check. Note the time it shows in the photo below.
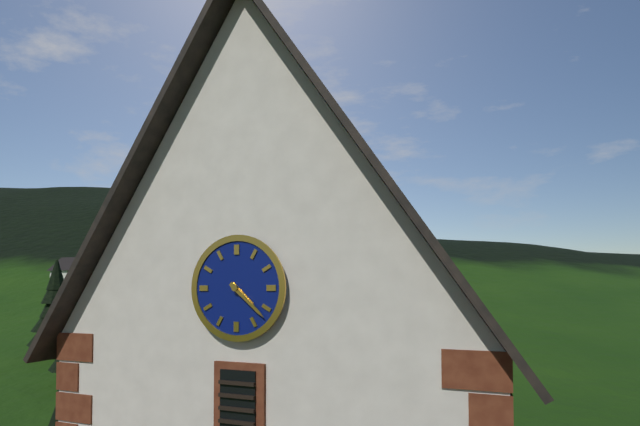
4:22
